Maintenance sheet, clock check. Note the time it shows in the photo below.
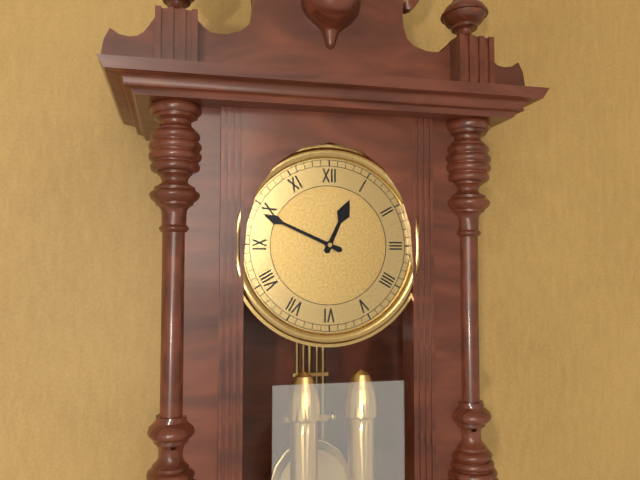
12:49
